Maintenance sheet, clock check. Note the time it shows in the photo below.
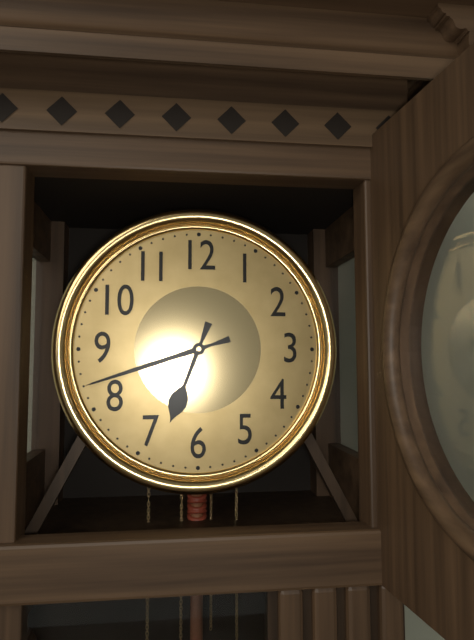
6:42
